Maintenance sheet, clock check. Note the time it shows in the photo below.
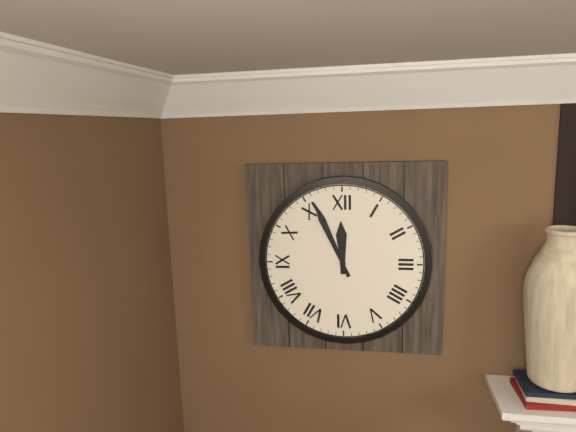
11:56
